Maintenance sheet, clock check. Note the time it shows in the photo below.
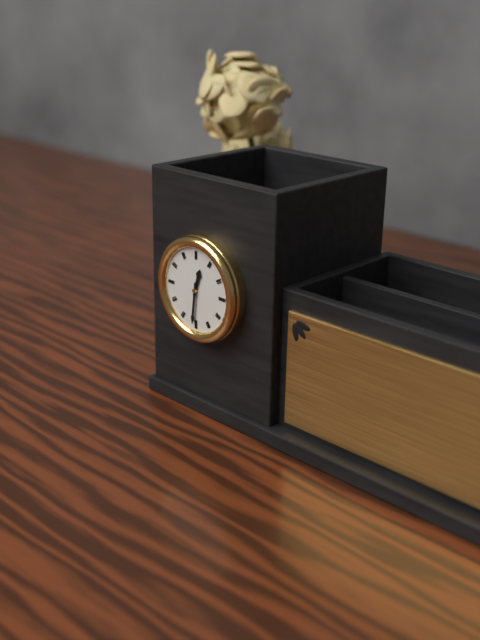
12:31
